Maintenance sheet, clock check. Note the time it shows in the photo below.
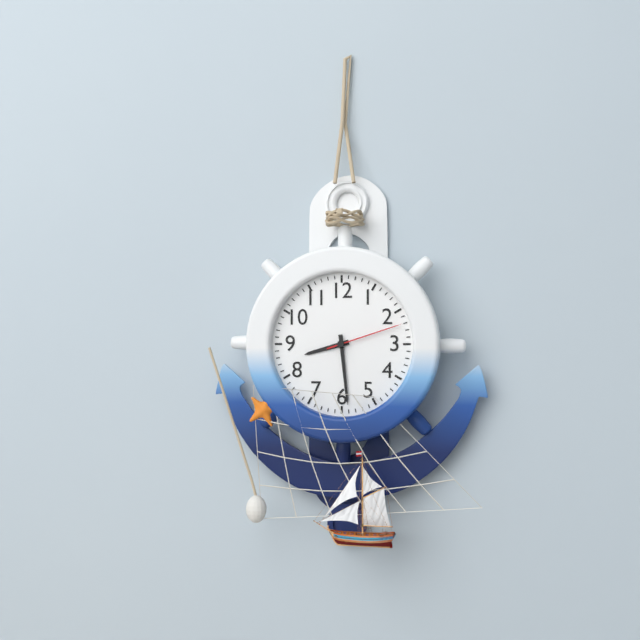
8:29:12
